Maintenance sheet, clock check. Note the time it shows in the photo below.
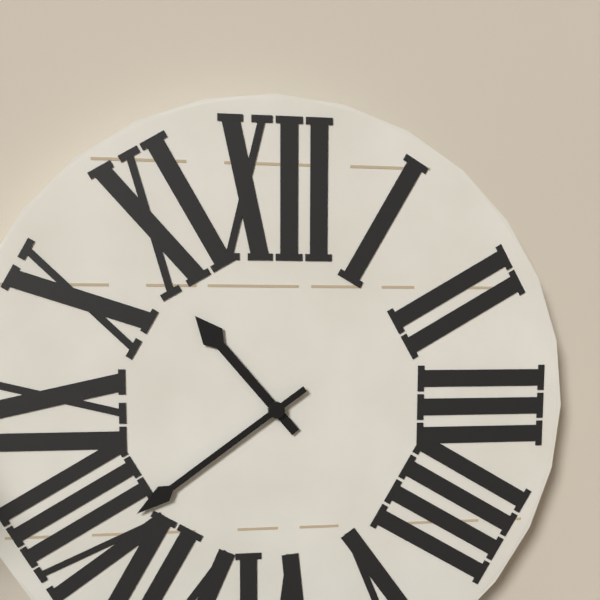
10:39
